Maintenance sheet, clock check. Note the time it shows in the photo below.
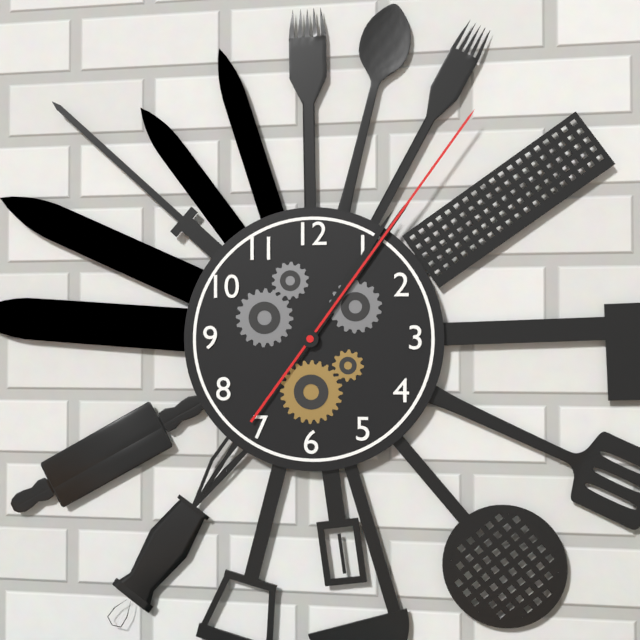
1:06:06
